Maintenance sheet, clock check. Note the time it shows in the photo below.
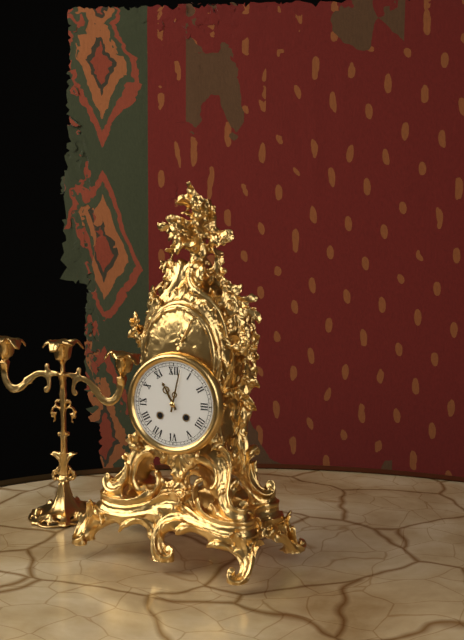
11:02
